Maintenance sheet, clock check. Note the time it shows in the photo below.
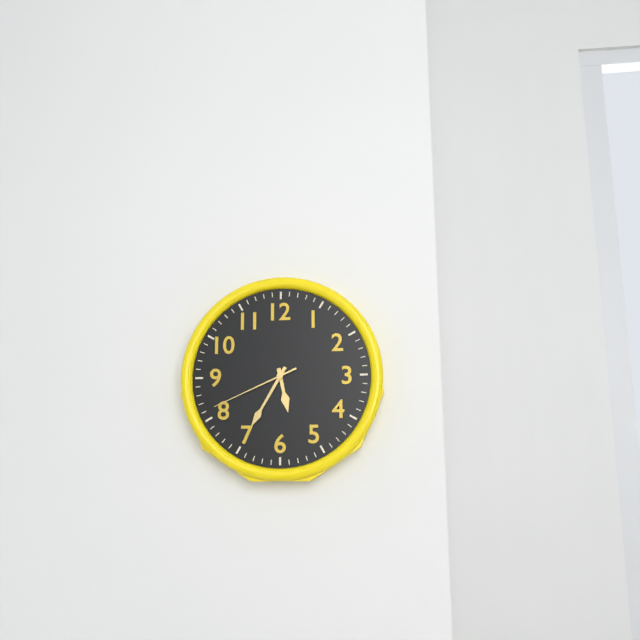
5:35:41
